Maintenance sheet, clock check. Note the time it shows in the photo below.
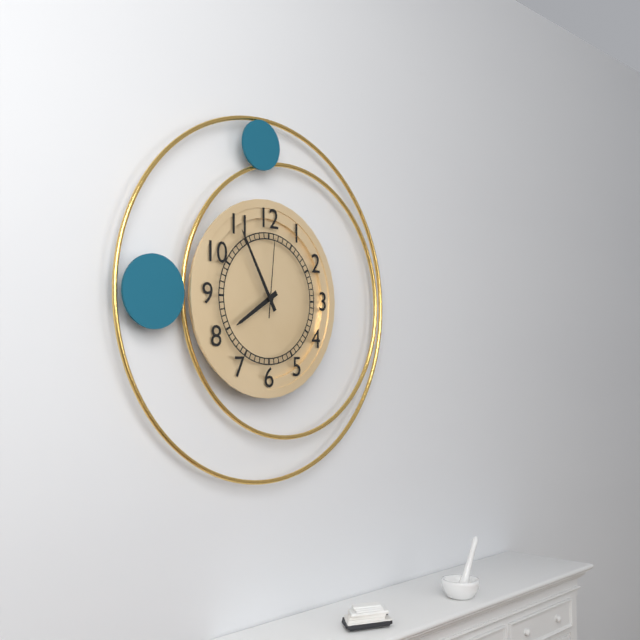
7:55:01
